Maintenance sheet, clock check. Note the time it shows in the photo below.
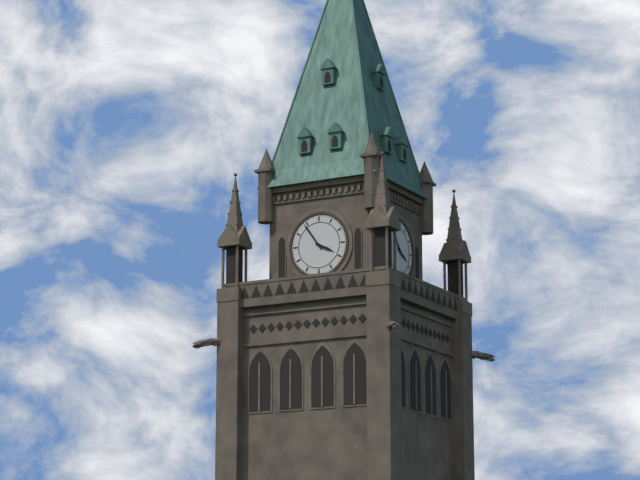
3:54
